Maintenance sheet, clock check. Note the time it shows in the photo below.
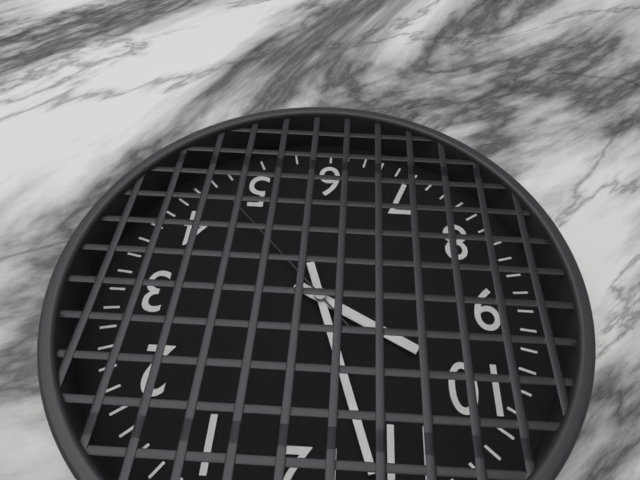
9:57
